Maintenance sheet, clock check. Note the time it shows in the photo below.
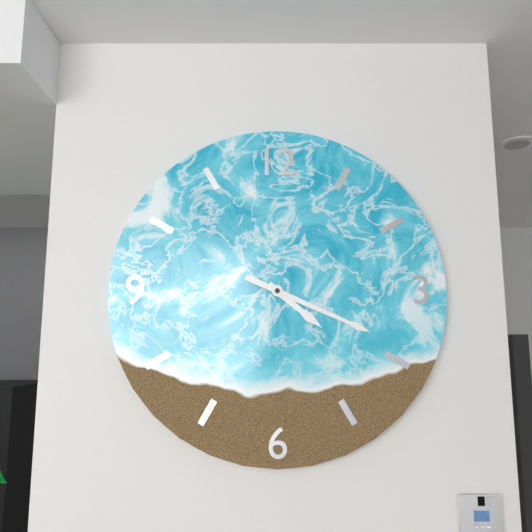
4:19
